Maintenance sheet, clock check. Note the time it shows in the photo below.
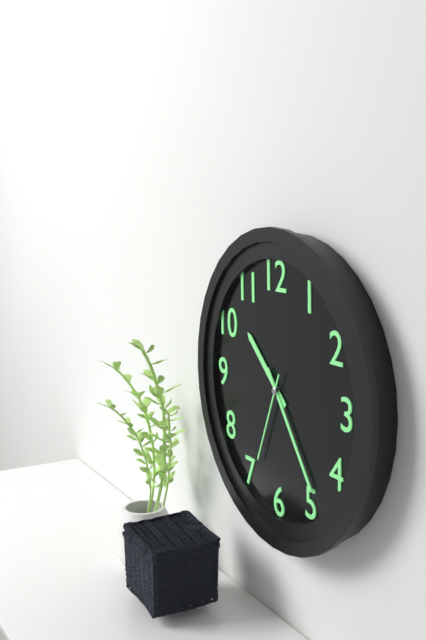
10:24:34
